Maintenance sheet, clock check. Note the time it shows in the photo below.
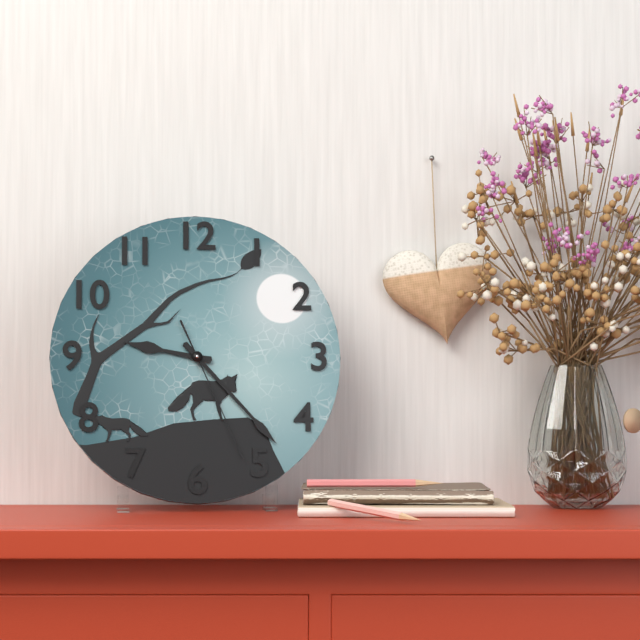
9:23:26
